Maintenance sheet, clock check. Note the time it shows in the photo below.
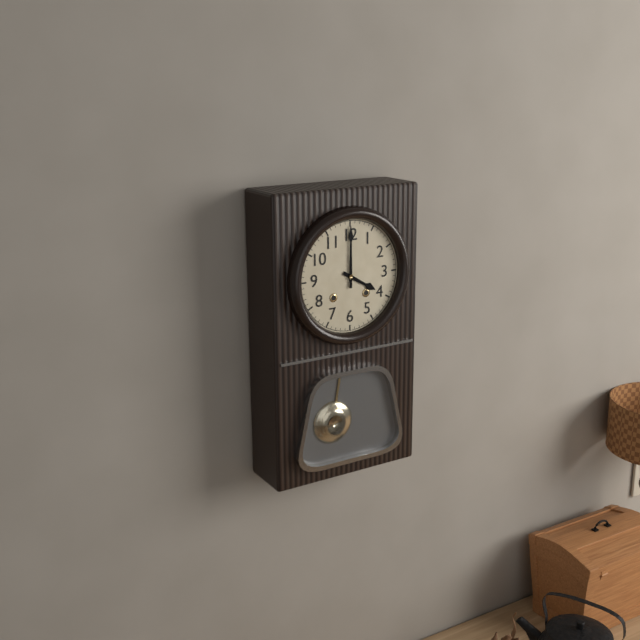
4:00
